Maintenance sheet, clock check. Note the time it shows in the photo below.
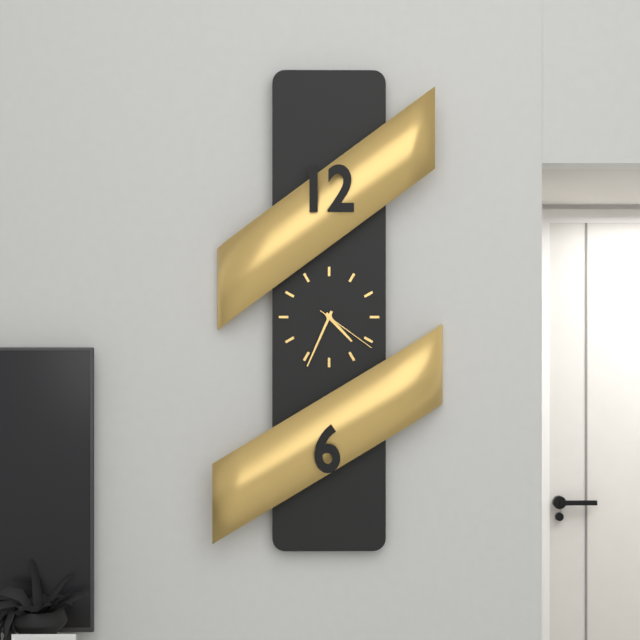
4:34:21
